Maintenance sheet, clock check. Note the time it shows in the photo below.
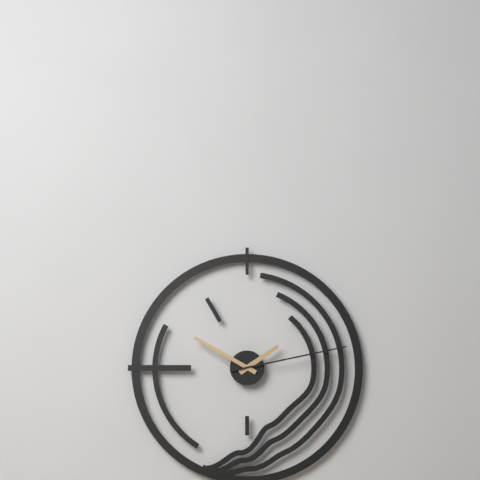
1:50:13
